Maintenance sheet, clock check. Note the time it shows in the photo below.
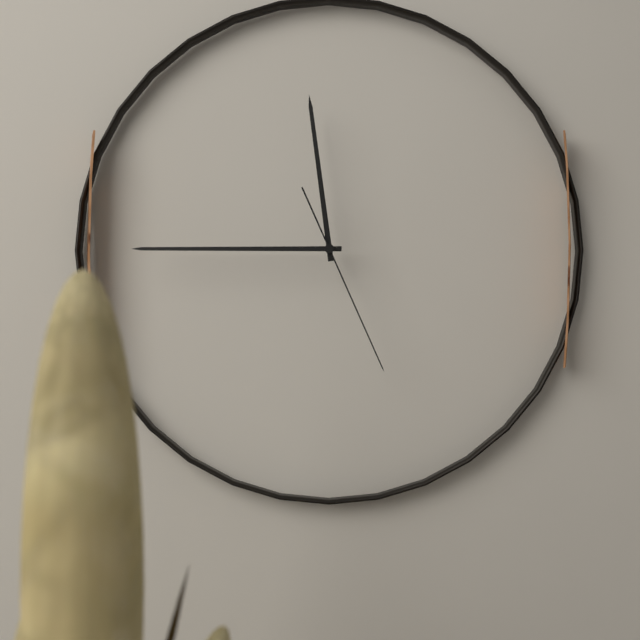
11:45:26
